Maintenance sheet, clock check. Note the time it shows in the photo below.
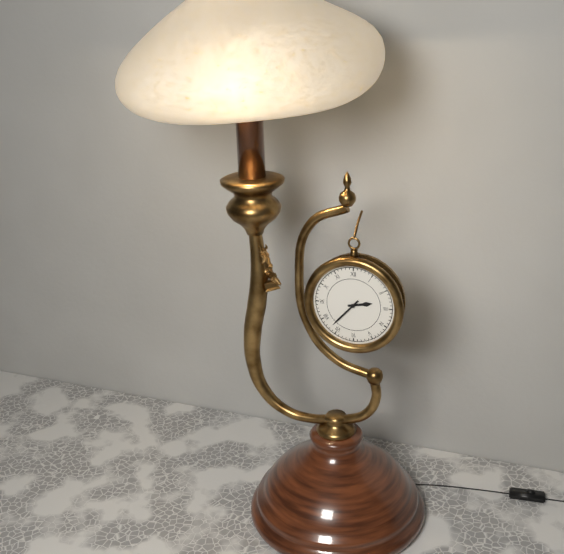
2:37
